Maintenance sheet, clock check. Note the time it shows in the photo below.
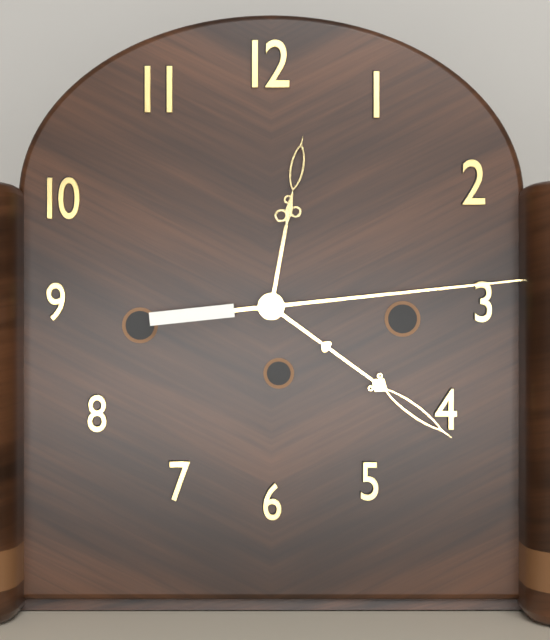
12:21:14
